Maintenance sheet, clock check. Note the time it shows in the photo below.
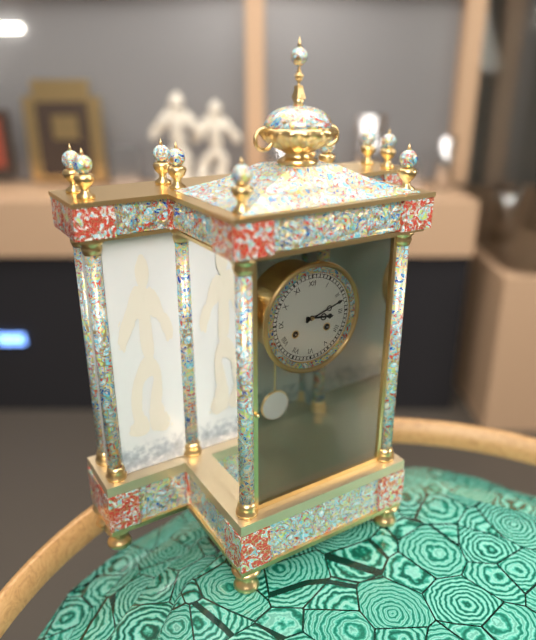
3:12
